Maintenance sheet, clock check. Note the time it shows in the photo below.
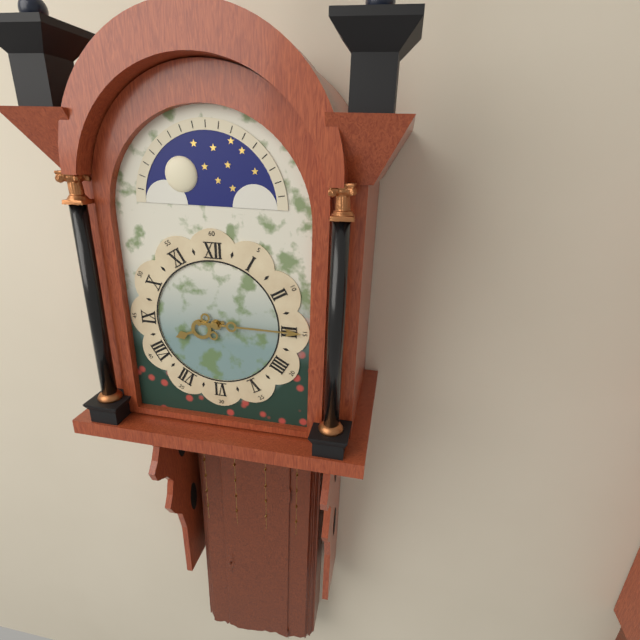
8:15
